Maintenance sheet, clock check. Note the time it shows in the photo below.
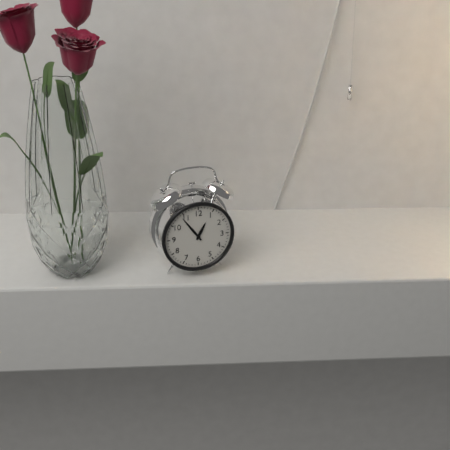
12:54
